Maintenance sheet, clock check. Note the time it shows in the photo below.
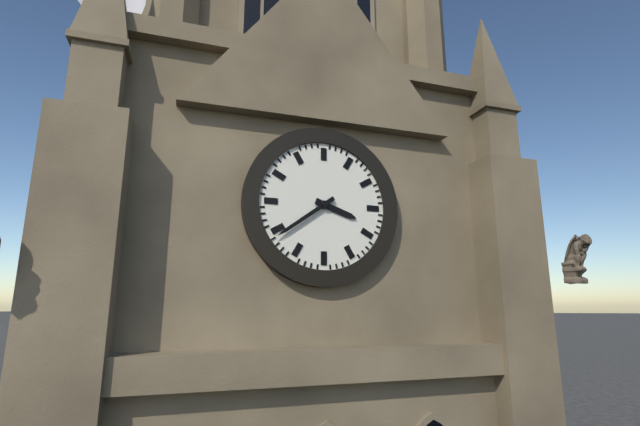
3:39
